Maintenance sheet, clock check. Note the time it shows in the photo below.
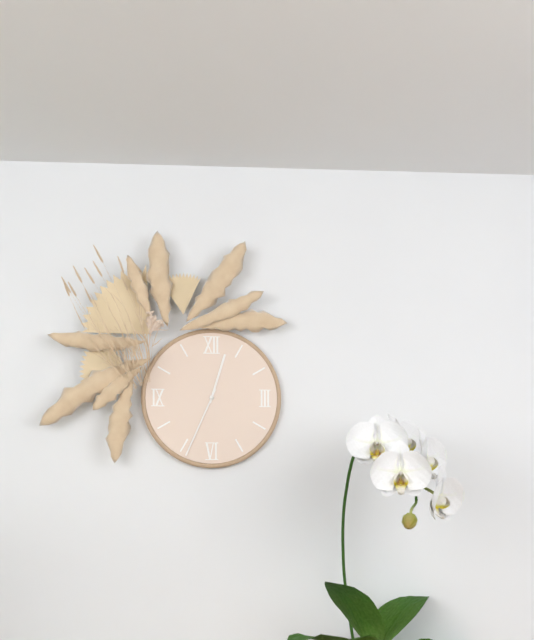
12:34
